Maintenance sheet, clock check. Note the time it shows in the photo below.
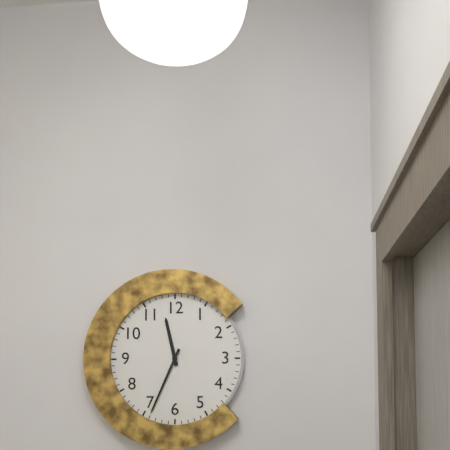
11:34
